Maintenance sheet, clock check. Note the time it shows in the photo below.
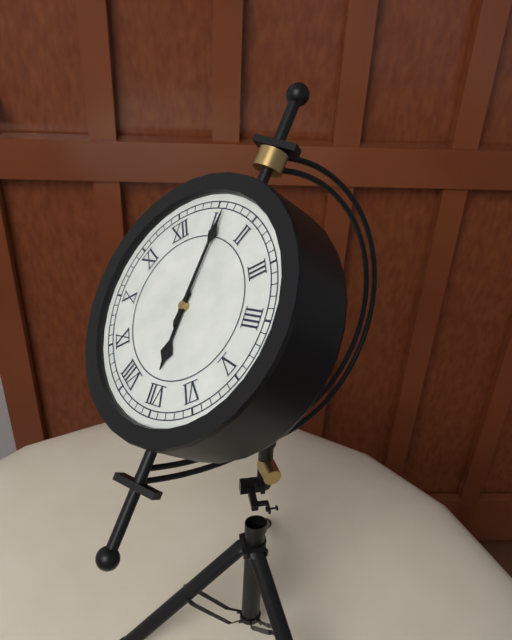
7:06
